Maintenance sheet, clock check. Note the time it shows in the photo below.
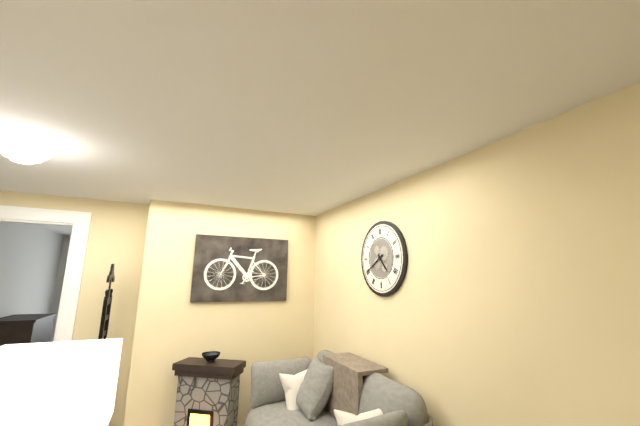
4:40
